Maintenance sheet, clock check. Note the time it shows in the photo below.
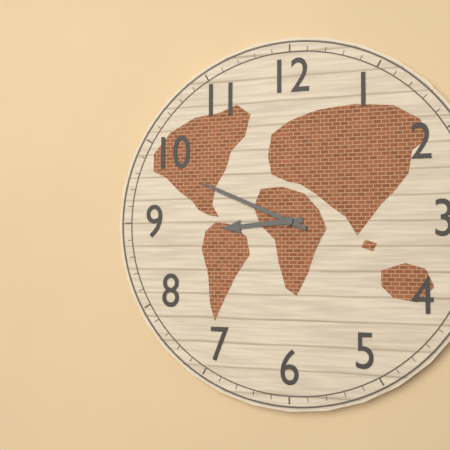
8:49
